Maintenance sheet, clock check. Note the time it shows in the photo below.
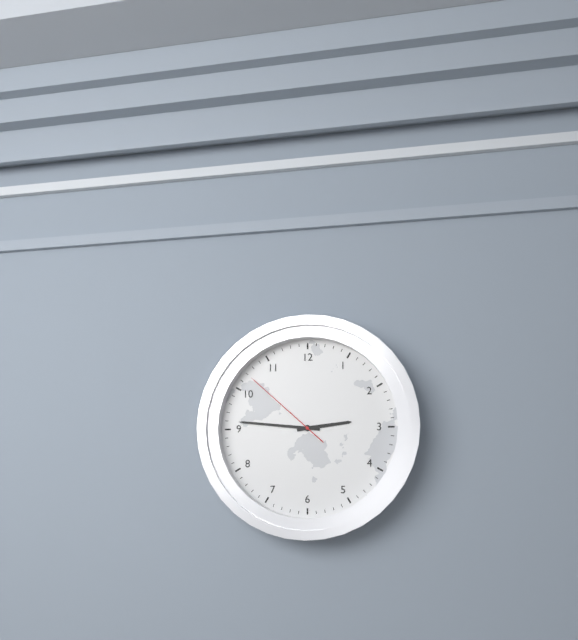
2:46:52
